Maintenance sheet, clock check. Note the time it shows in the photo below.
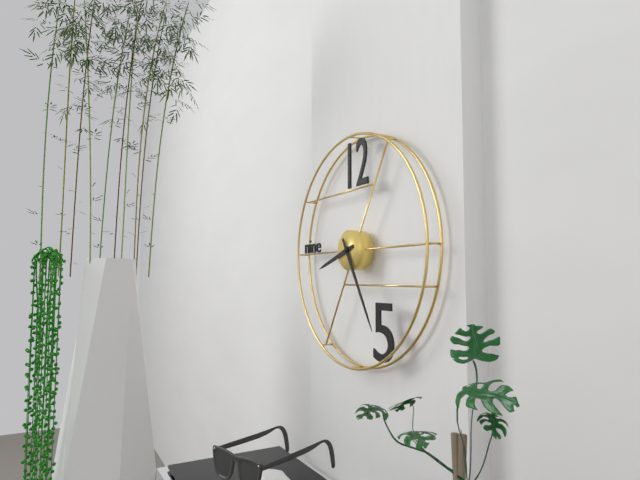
8:25
